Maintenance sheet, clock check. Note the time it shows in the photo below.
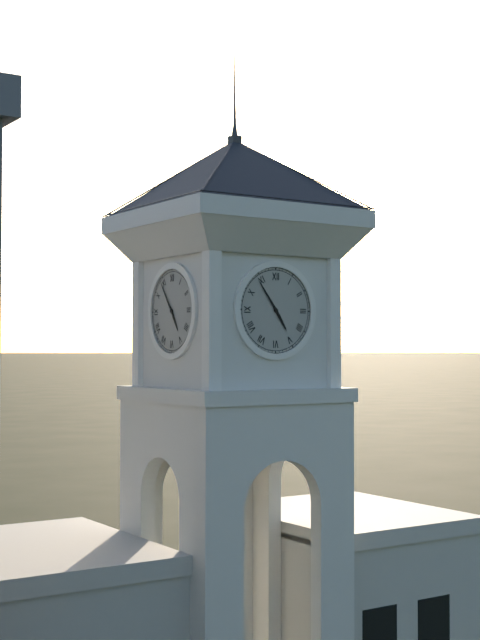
4:54
